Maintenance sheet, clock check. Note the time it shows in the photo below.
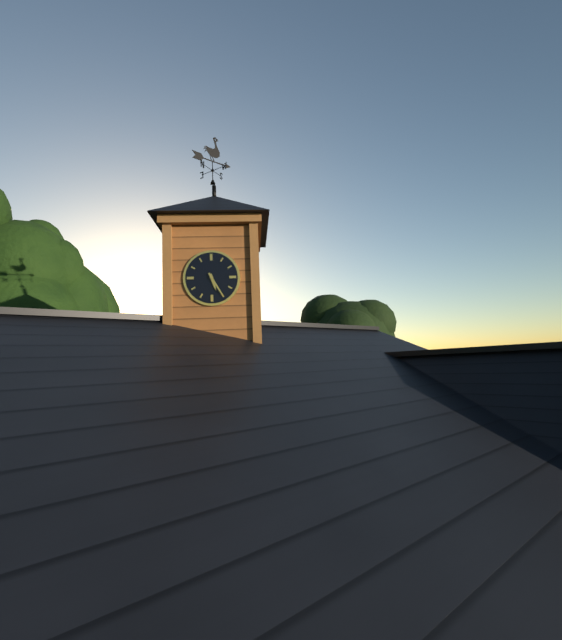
5:25
